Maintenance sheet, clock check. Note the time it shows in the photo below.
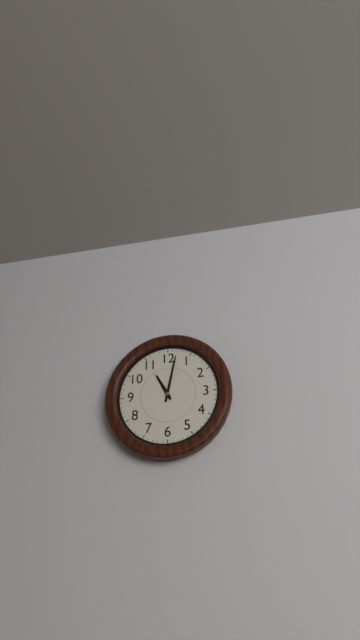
11:02
